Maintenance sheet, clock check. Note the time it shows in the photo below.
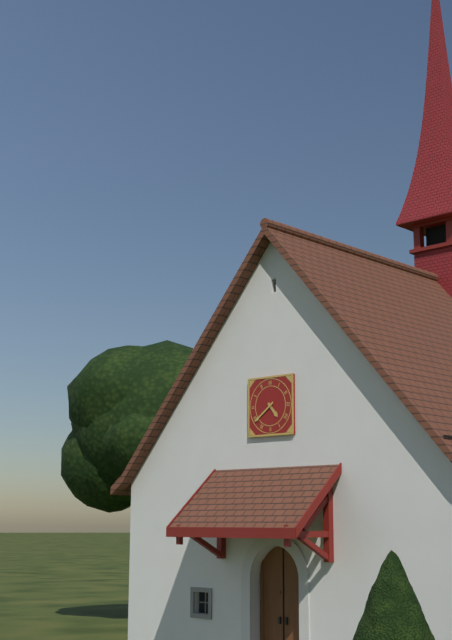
4:39
